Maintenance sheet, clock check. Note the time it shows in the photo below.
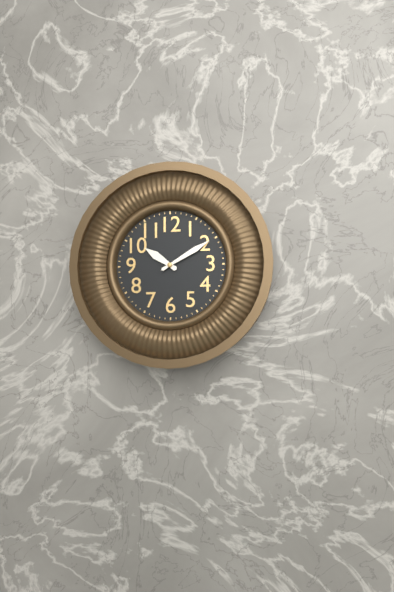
10:10
